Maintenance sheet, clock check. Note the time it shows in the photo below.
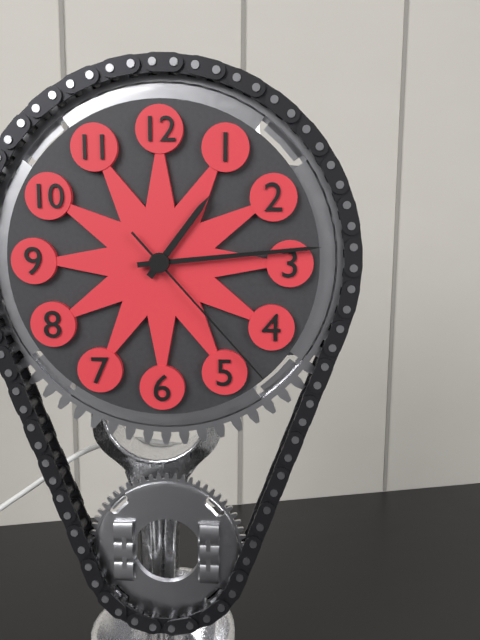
1:14:23
